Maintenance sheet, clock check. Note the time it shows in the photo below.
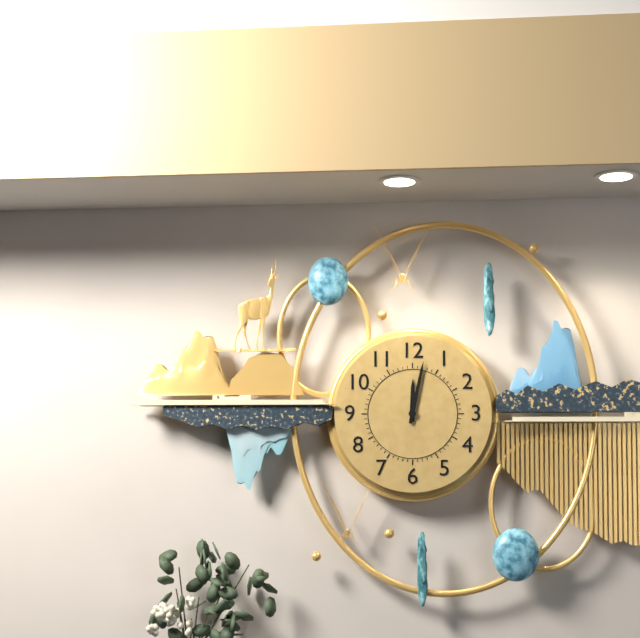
12:02
